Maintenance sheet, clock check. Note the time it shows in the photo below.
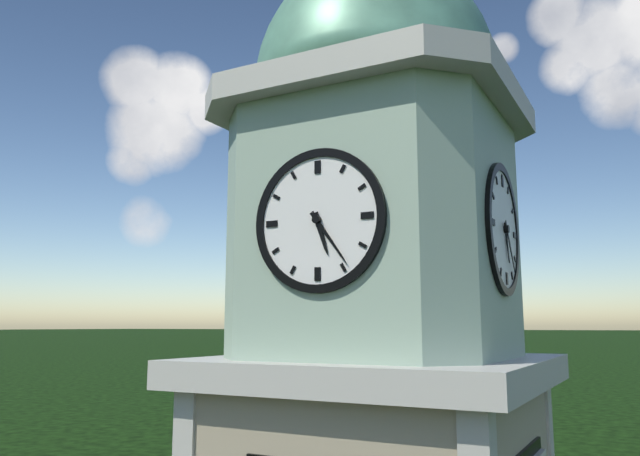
5:24
